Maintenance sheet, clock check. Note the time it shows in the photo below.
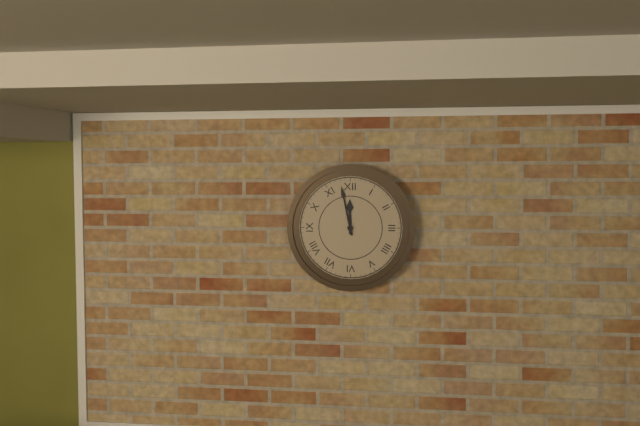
11:58
